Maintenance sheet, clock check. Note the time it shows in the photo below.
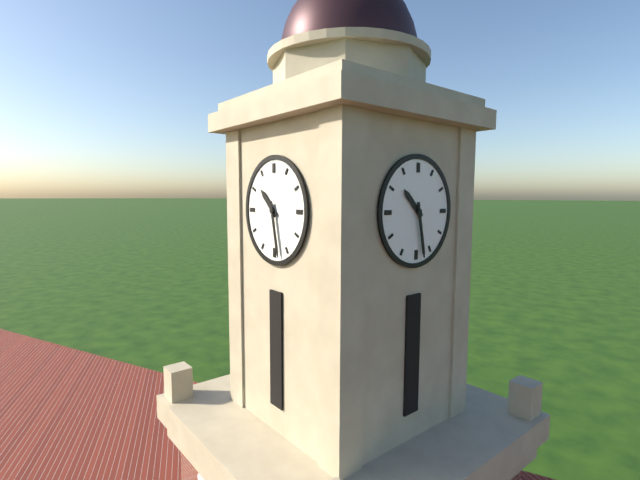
10:28
